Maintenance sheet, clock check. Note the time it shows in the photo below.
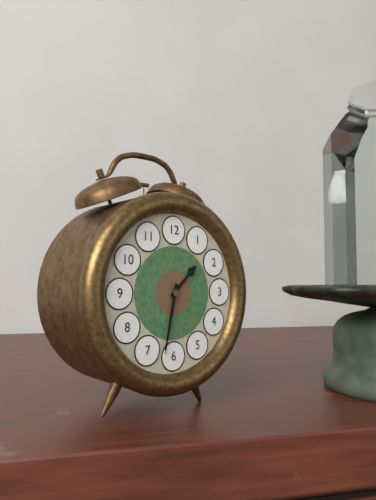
1:32
